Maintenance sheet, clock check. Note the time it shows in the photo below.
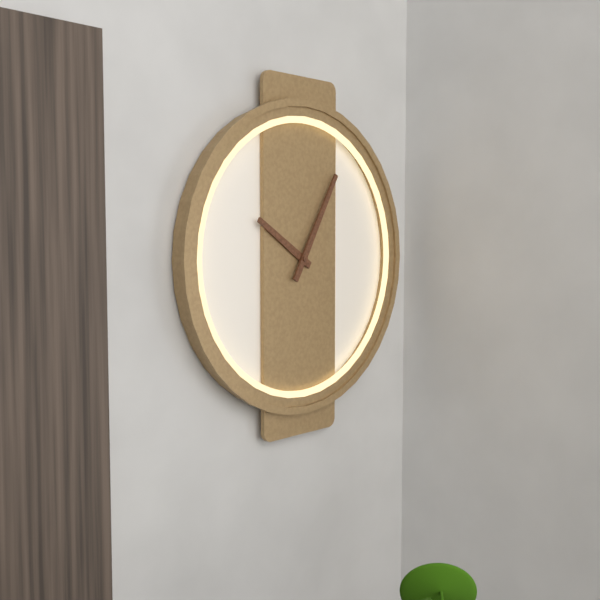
10:05
